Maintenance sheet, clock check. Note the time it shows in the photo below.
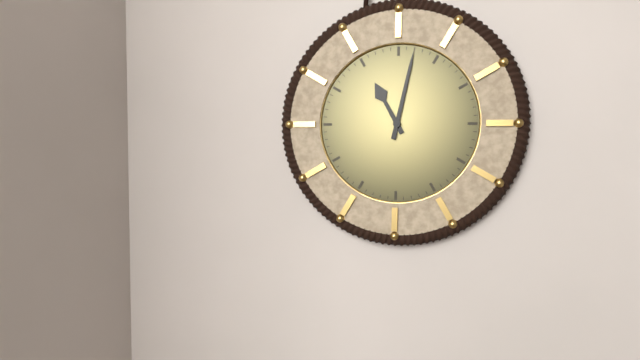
11:02
